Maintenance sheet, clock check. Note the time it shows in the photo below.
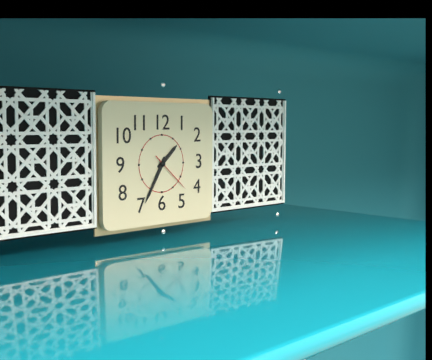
1:35
